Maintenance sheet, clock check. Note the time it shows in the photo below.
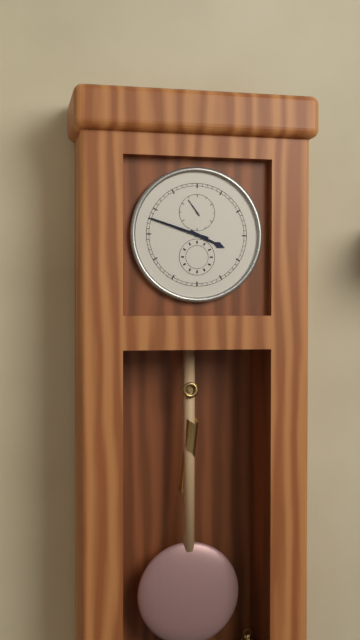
3:48
